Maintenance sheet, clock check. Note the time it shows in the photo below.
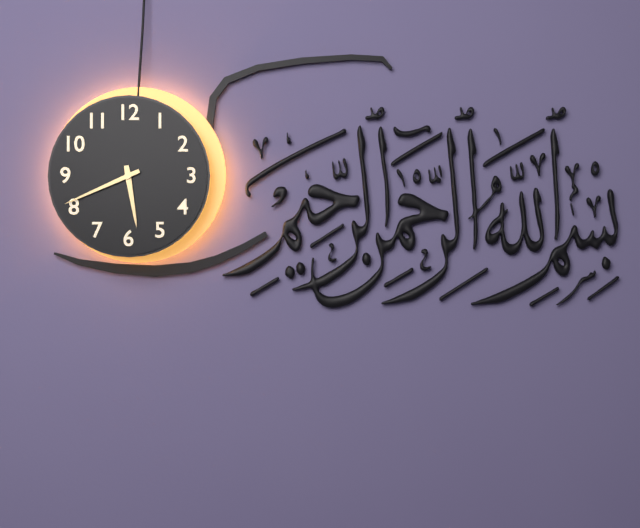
5:41
